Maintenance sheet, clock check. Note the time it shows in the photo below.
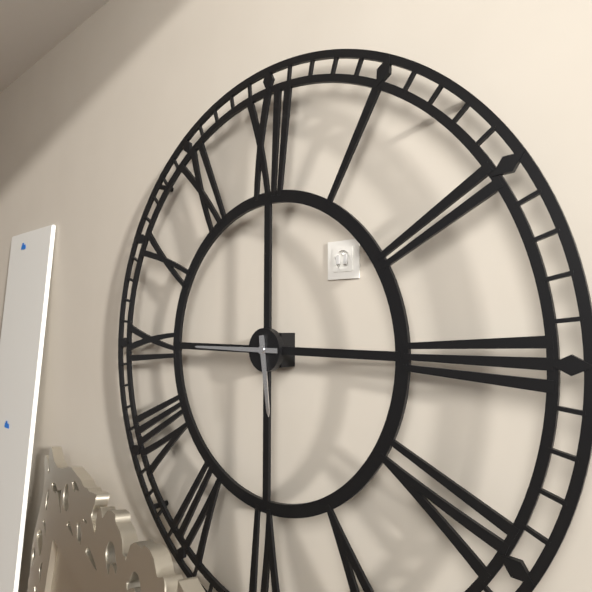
5:45
